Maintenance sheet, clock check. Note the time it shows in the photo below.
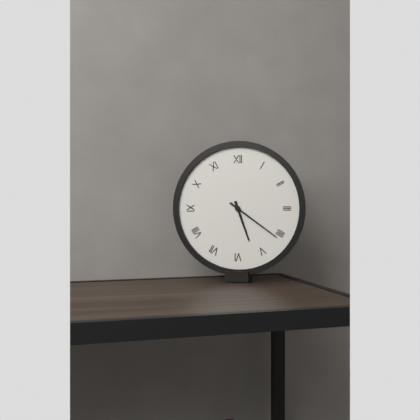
5:21
